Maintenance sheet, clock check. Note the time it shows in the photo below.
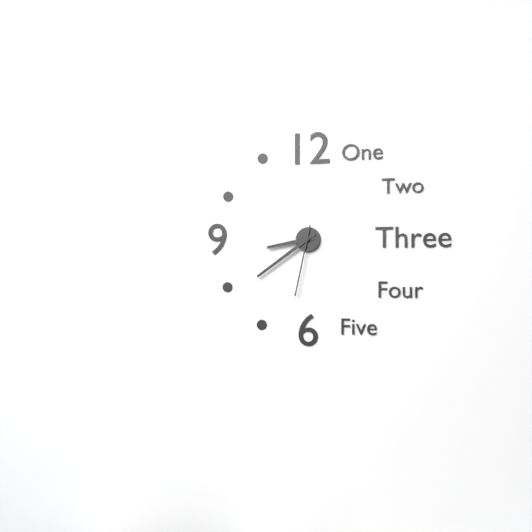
8:39:32
